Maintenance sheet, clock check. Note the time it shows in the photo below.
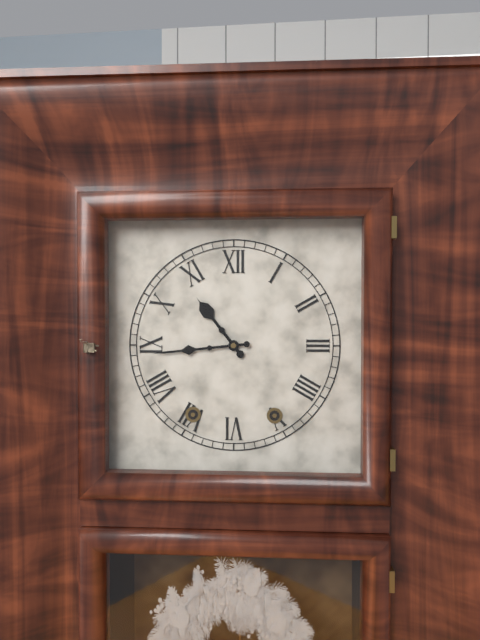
10:44
